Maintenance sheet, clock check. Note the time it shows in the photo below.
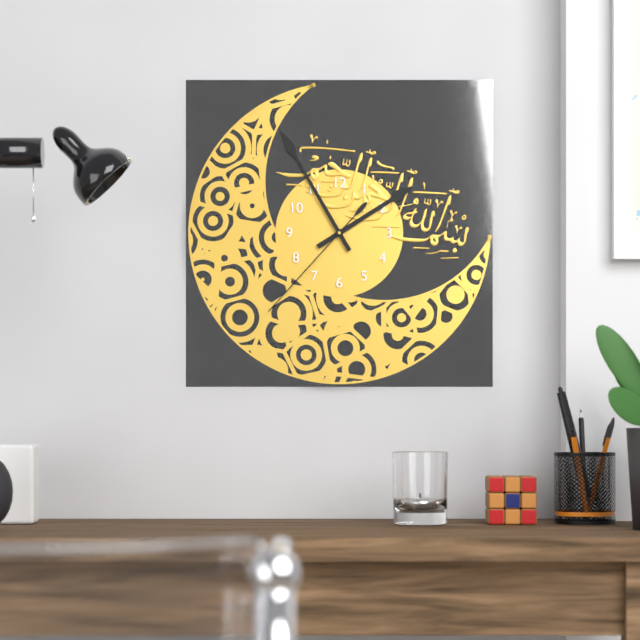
1:55:37
